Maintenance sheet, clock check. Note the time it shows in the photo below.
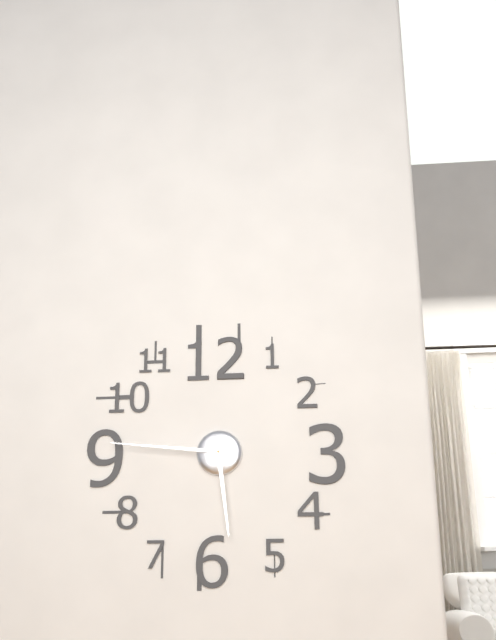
5:46
